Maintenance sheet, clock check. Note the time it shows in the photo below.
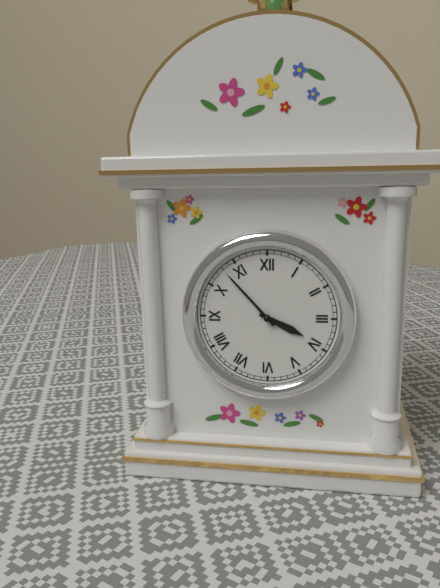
3:53
